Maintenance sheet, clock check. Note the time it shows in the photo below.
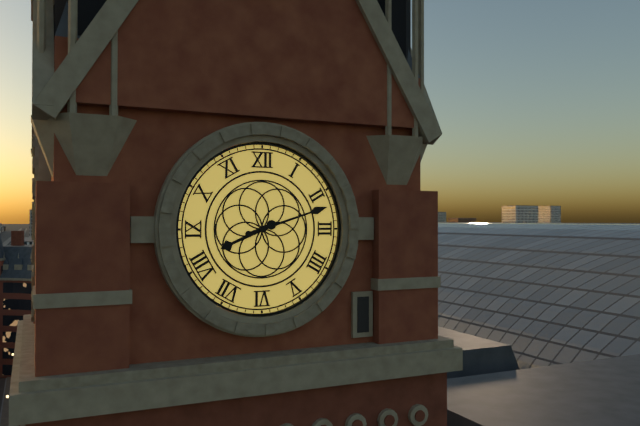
8:12
